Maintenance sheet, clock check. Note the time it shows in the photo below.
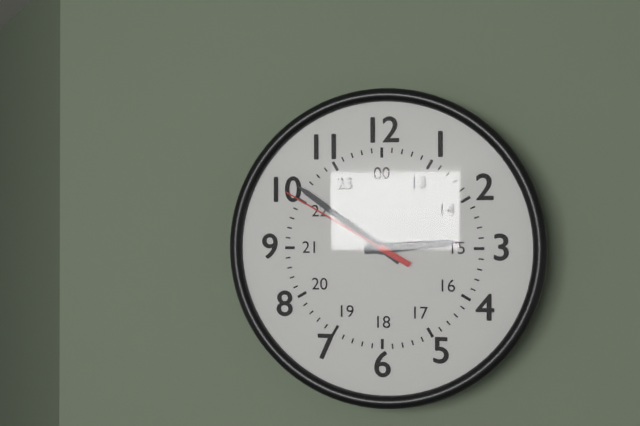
2:51:50
